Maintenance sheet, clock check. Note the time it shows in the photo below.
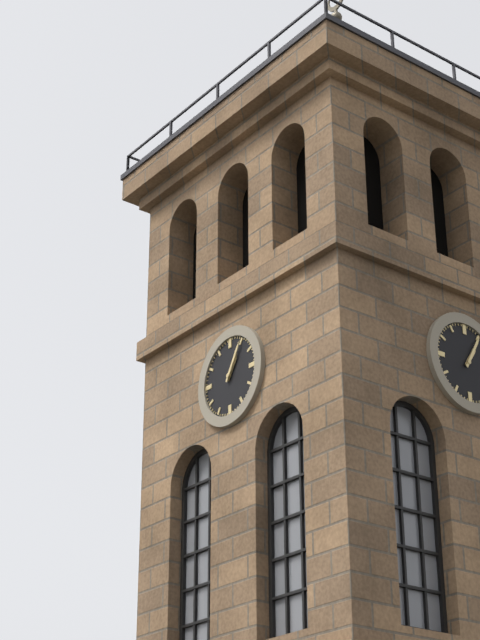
1:05
